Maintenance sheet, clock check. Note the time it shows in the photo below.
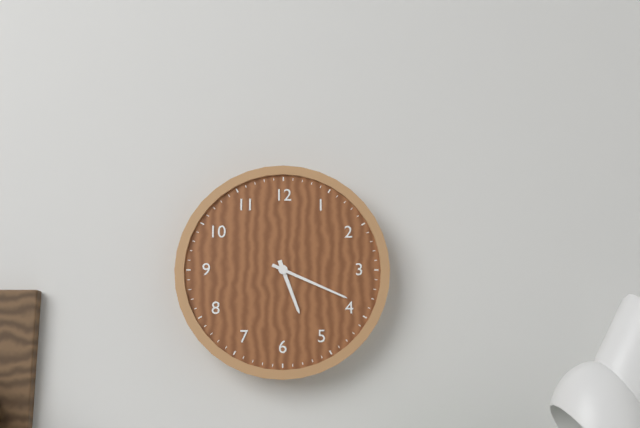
5:19
